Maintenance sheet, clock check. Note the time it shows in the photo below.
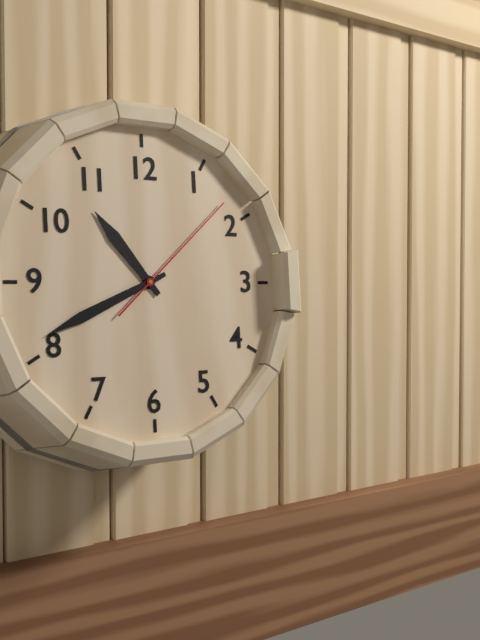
10:41:08
